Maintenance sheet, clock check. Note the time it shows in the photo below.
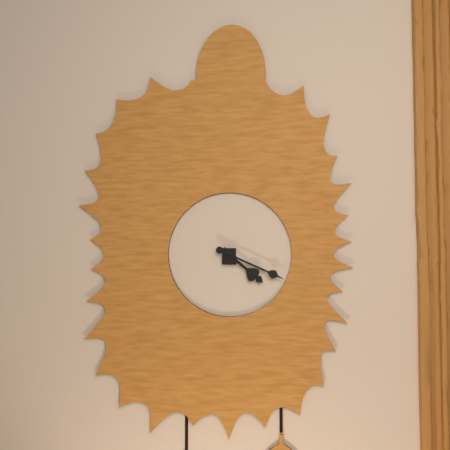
4:19
